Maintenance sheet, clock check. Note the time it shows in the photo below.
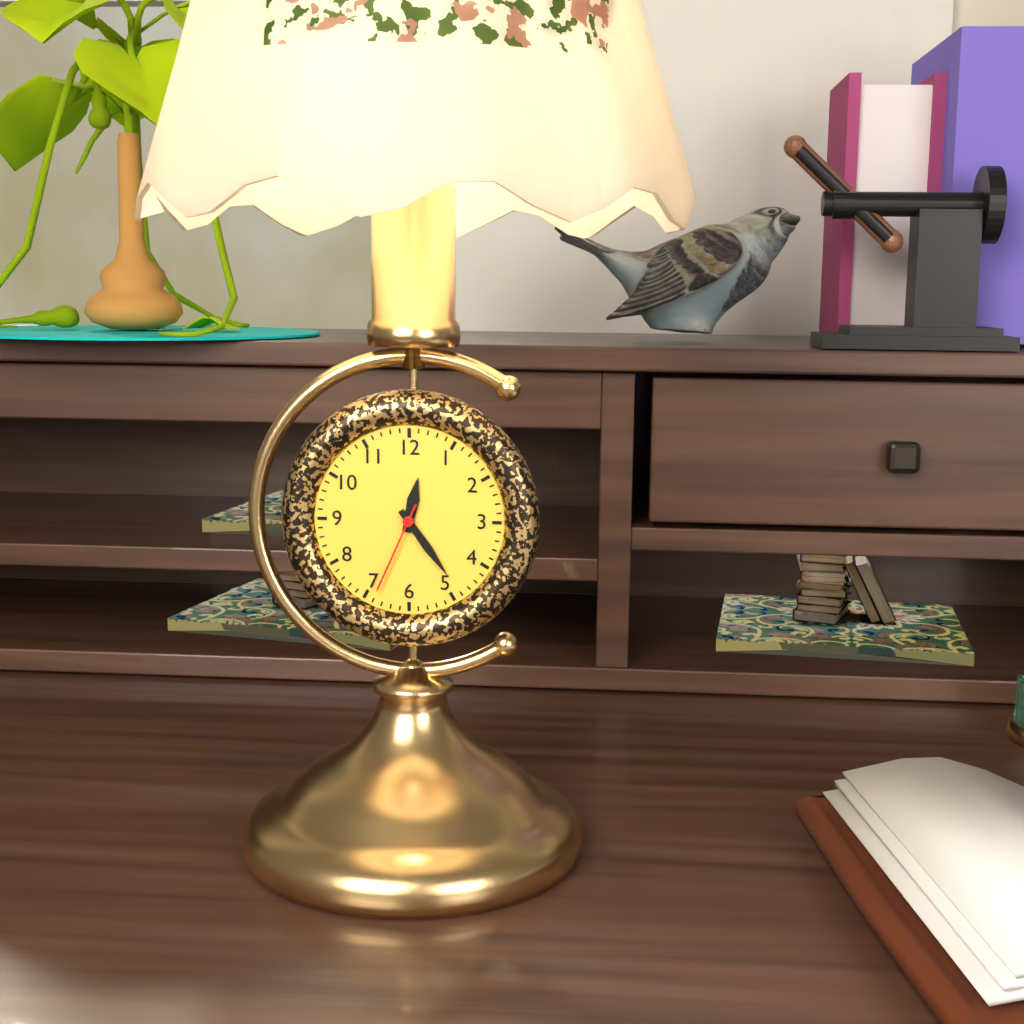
12:24:34
